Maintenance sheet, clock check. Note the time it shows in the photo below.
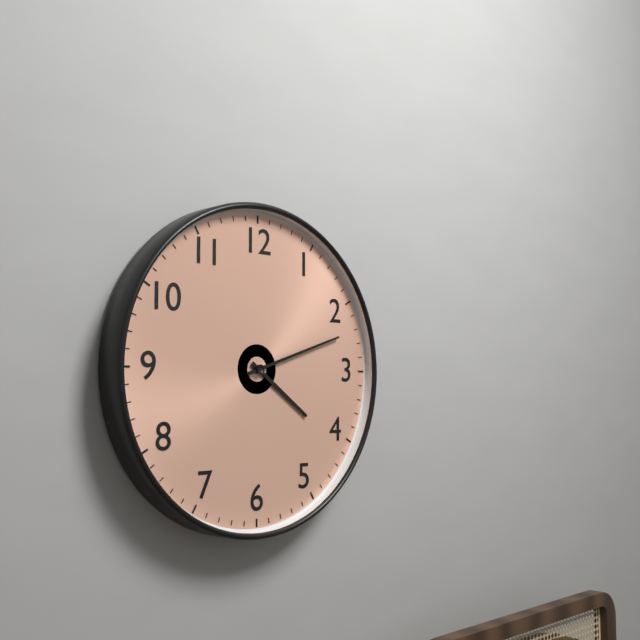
4:12
